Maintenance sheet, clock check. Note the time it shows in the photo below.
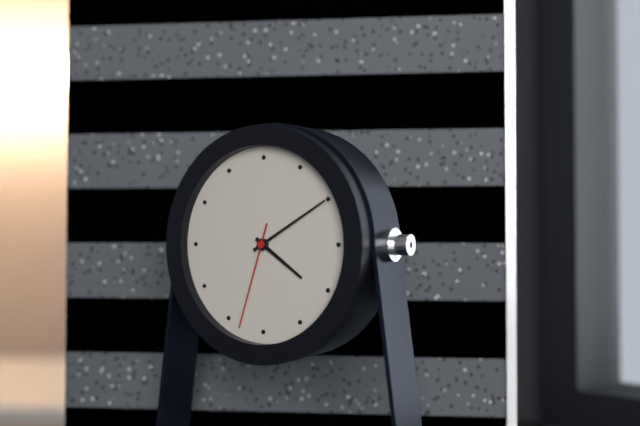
4:10:33
